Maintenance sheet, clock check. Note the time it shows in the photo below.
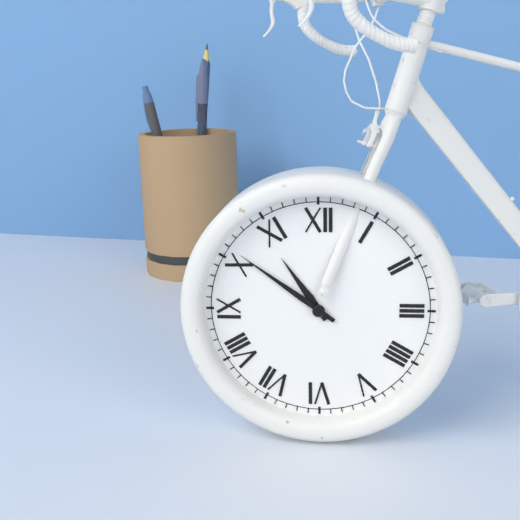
10:51
